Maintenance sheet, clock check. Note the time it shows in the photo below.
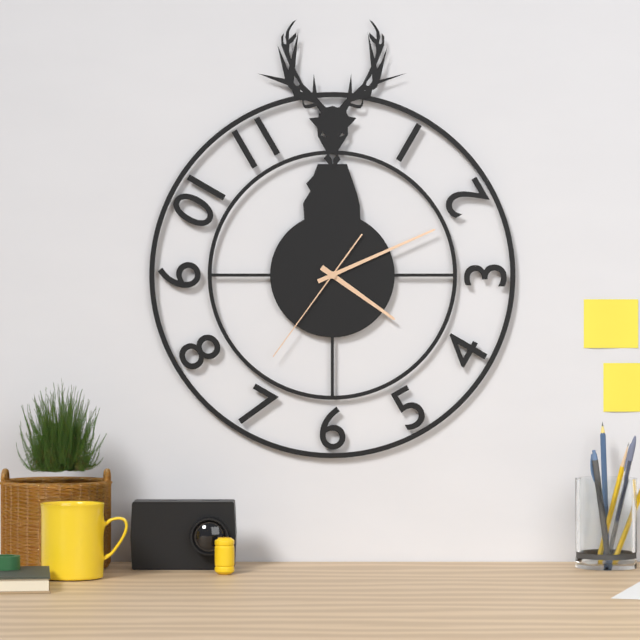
4:11:36
